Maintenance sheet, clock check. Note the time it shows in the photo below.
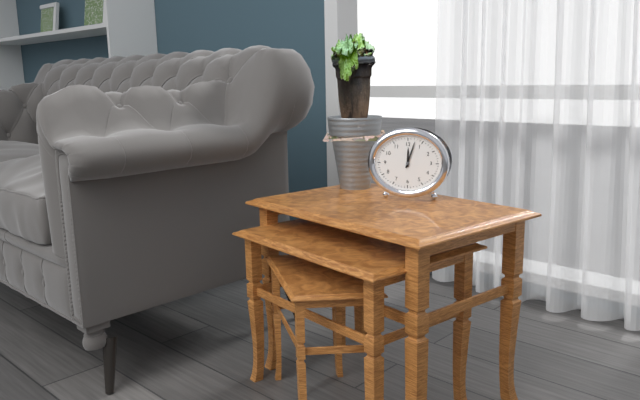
12:03
